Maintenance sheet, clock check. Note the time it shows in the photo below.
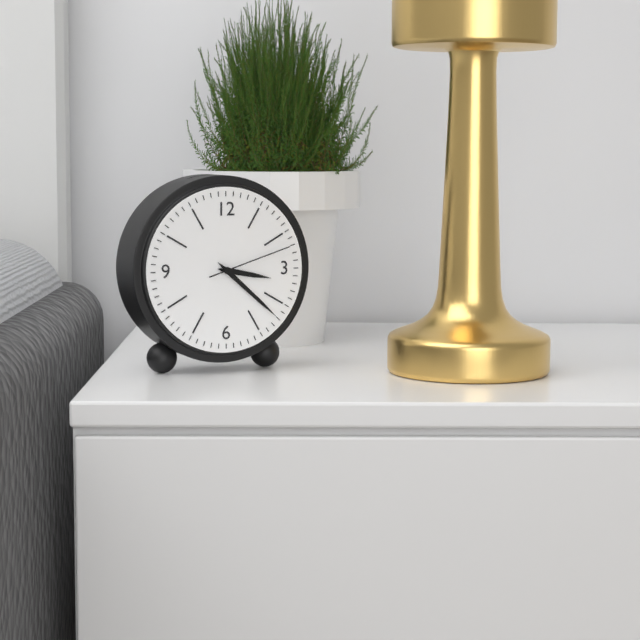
3:22:12
